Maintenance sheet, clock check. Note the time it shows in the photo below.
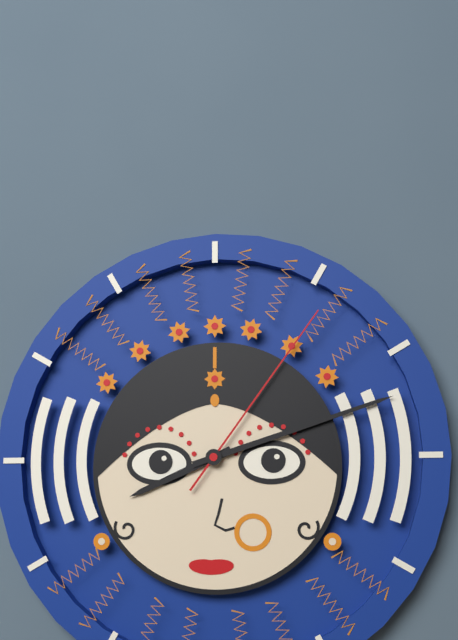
8:12:06
